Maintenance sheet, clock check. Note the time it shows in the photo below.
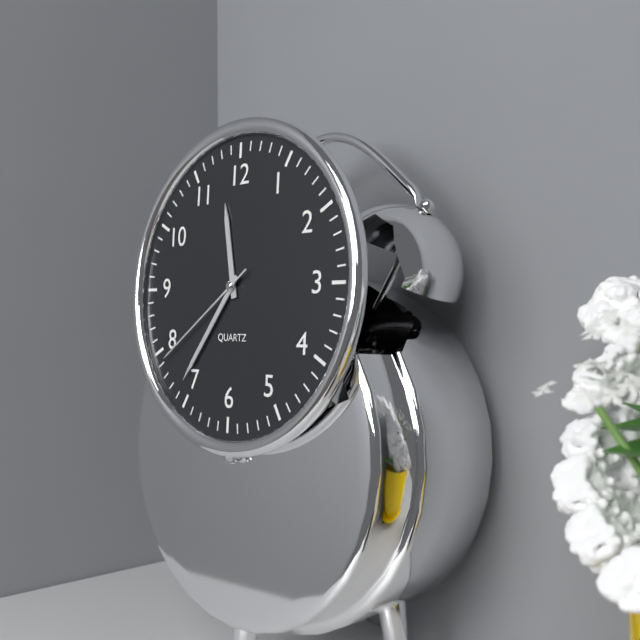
11:36:39
